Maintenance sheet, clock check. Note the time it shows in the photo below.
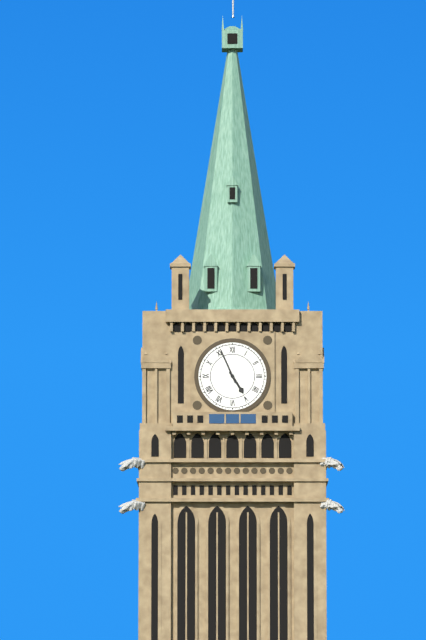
4:56
